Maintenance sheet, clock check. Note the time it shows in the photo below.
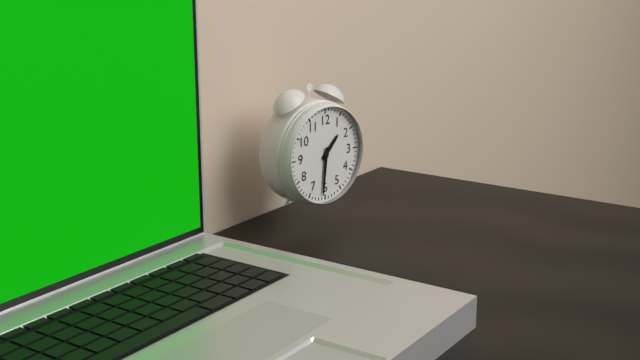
1:31
